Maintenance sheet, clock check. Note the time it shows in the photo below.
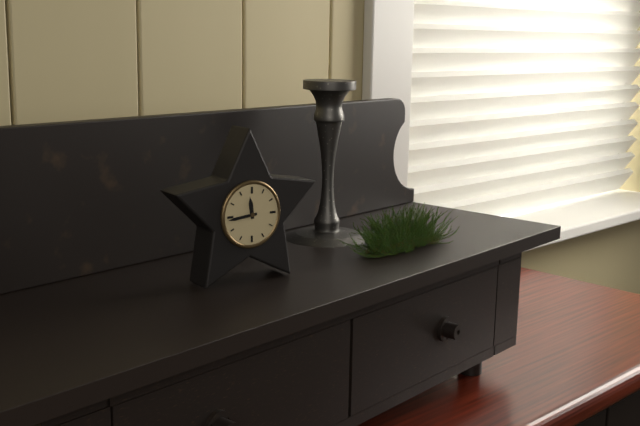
11:44
